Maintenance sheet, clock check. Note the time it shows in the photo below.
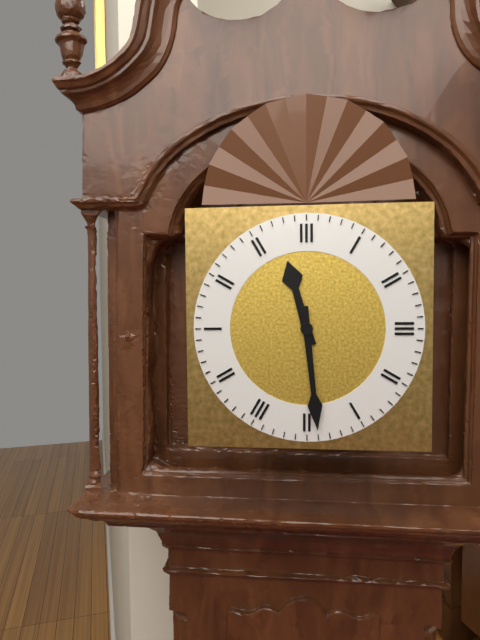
11:29
